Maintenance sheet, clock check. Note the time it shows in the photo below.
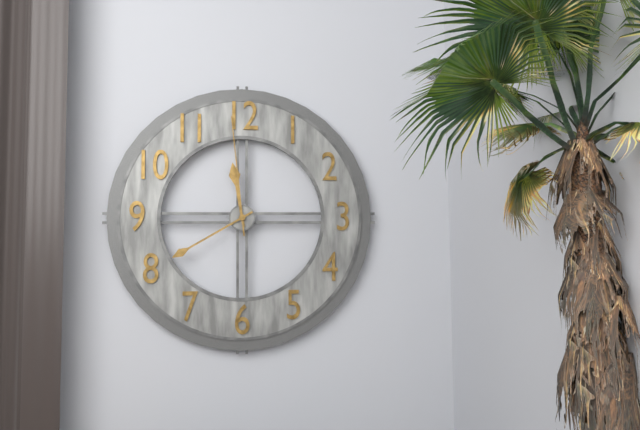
11:40:59
